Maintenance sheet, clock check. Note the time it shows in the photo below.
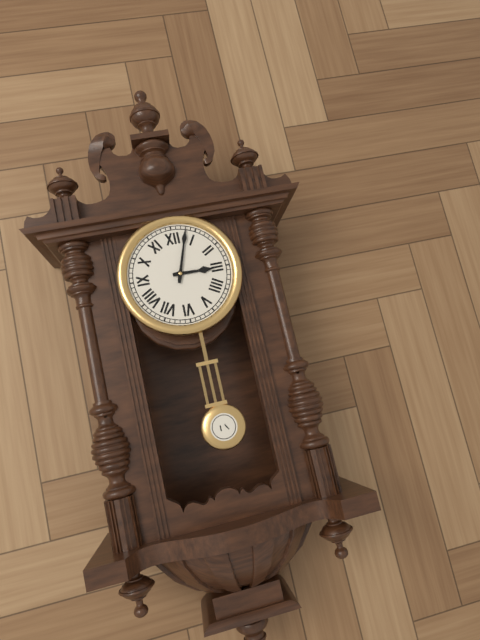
3:03
